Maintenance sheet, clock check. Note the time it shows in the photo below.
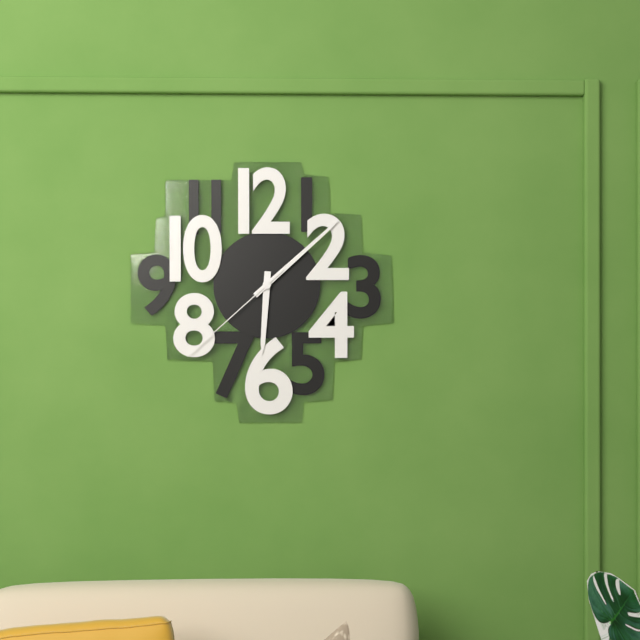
6:08:38
